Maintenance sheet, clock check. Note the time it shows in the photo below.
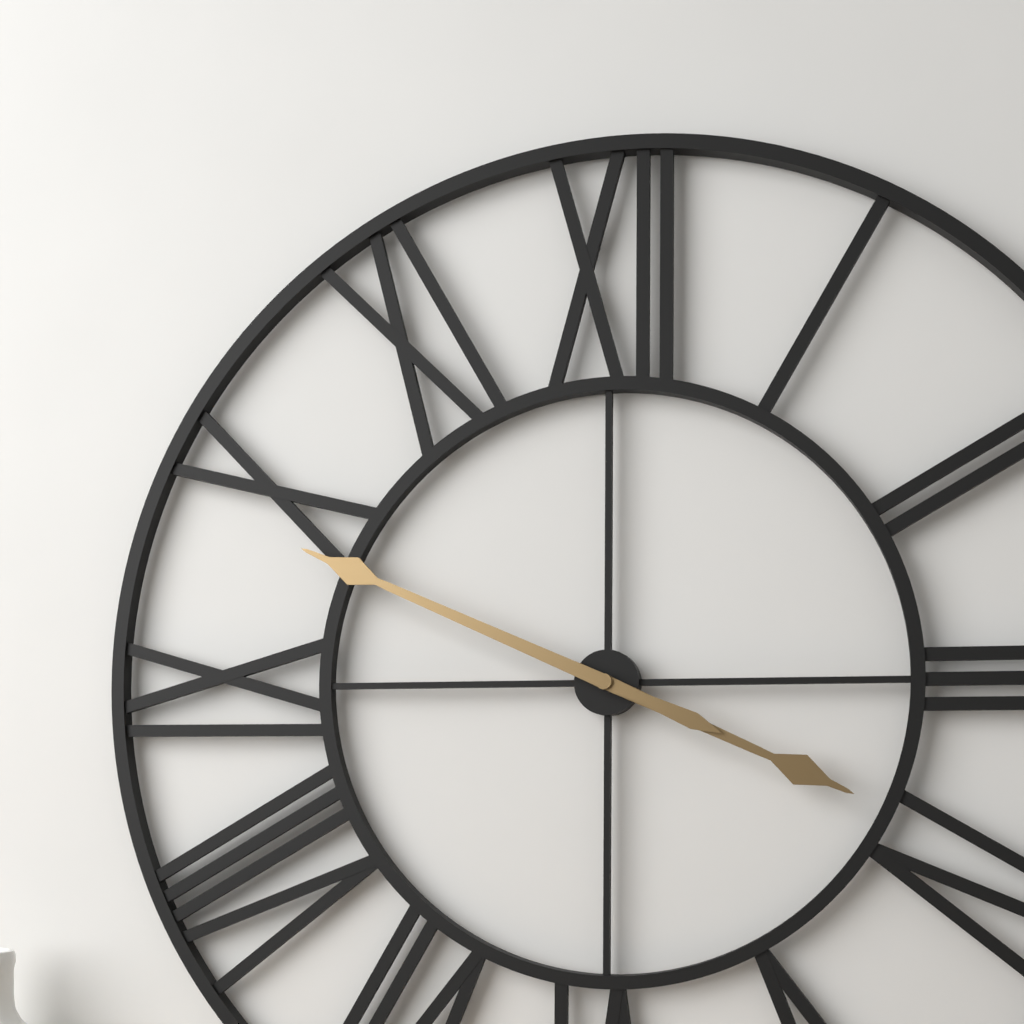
3:49
